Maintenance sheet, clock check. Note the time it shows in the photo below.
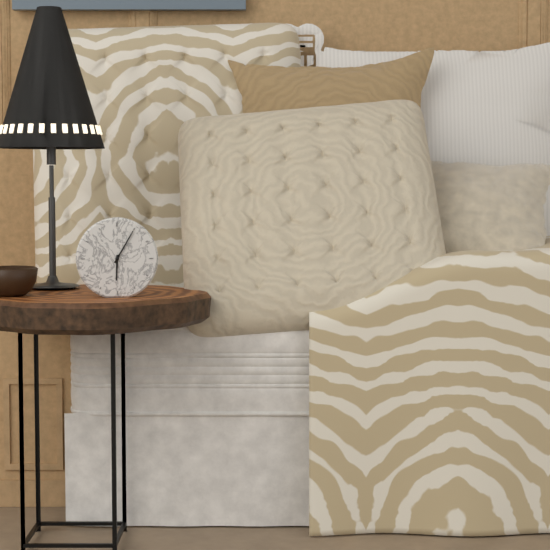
6:05
